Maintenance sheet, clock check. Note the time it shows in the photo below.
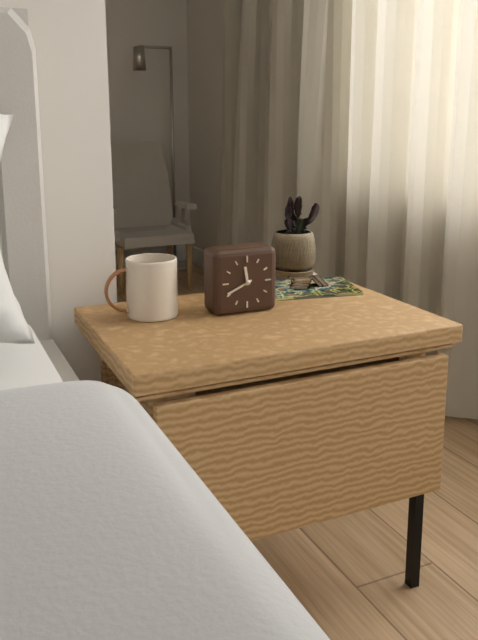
11:41
